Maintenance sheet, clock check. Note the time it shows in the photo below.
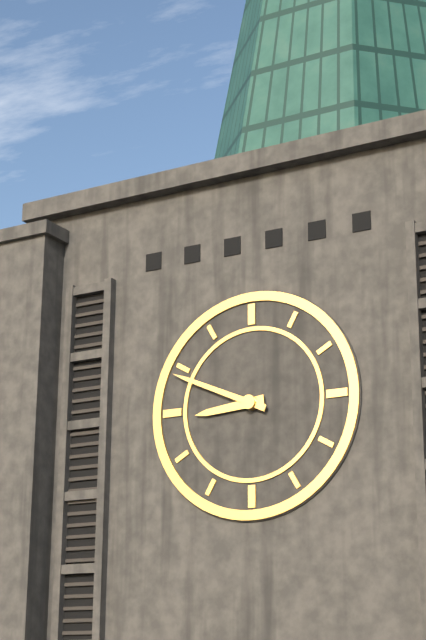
8:49
